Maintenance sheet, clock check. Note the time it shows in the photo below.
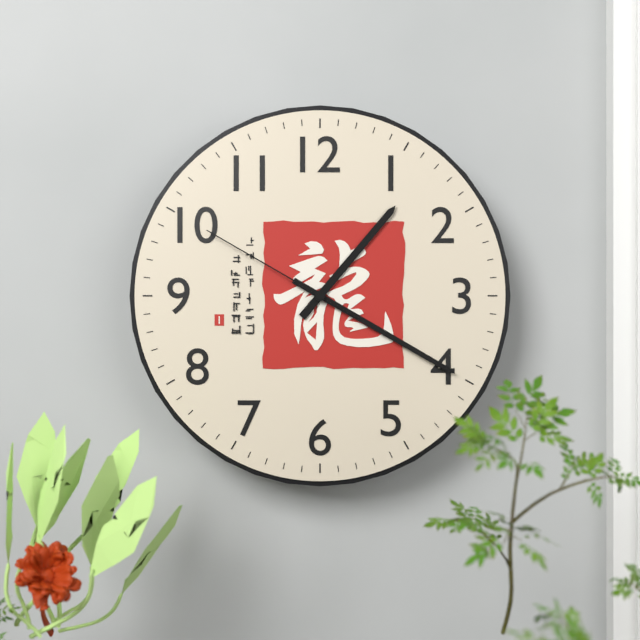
1:20:50
